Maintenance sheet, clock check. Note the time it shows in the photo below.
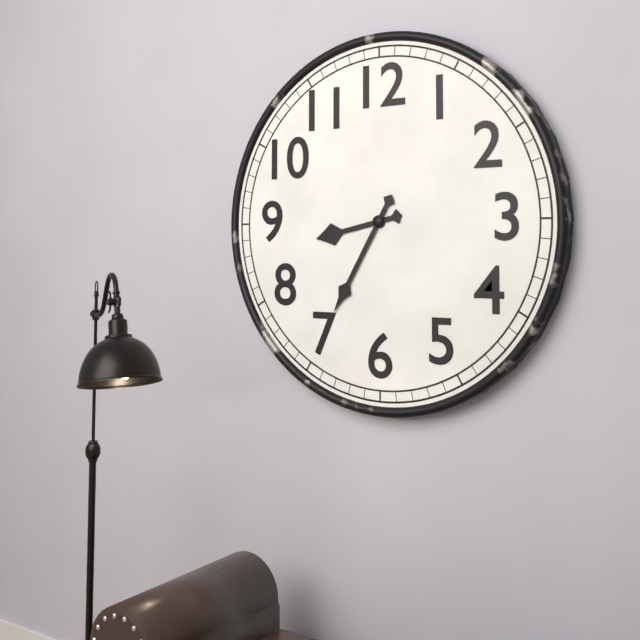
8:35
